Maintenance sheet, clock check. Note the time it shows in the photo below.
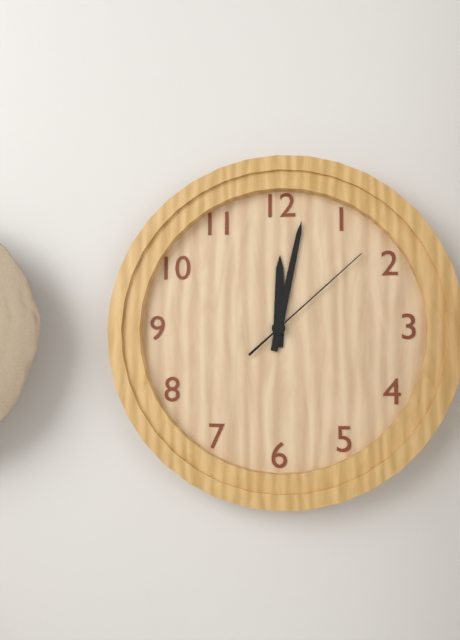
12:02:08
